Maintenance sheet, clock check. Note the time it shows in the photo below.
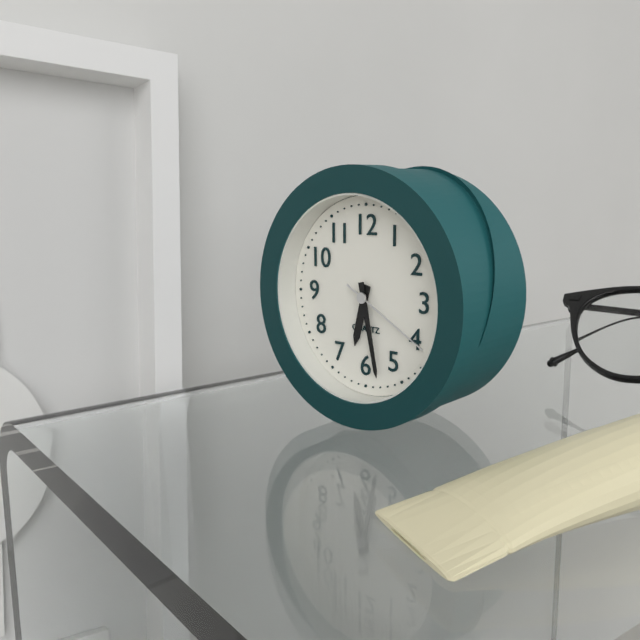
6:28:20
